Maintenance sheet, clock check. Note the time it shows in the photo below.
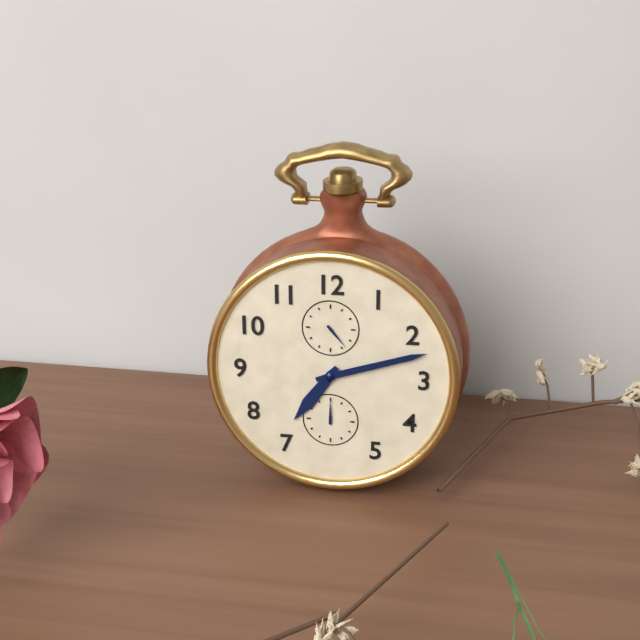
7:12
